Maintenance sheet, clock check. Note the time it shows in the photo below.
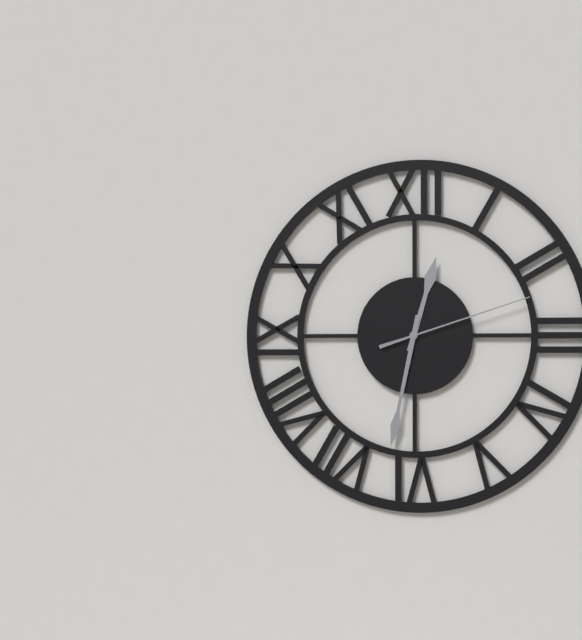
12:32:12
